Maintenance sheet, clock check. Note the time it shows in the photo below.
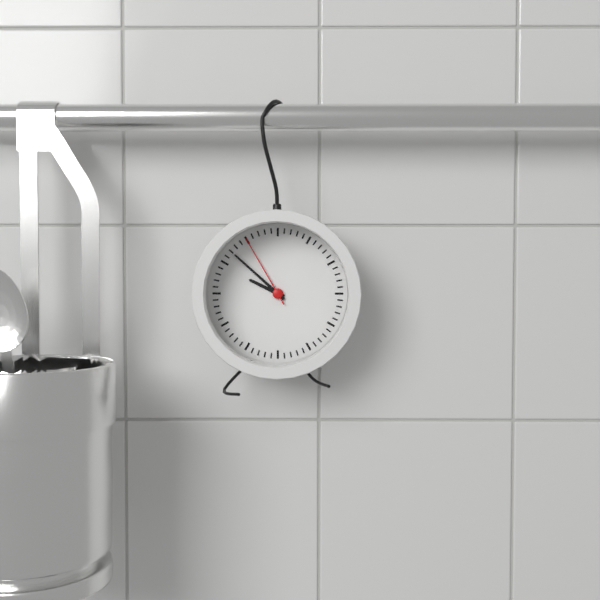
9:52:55
